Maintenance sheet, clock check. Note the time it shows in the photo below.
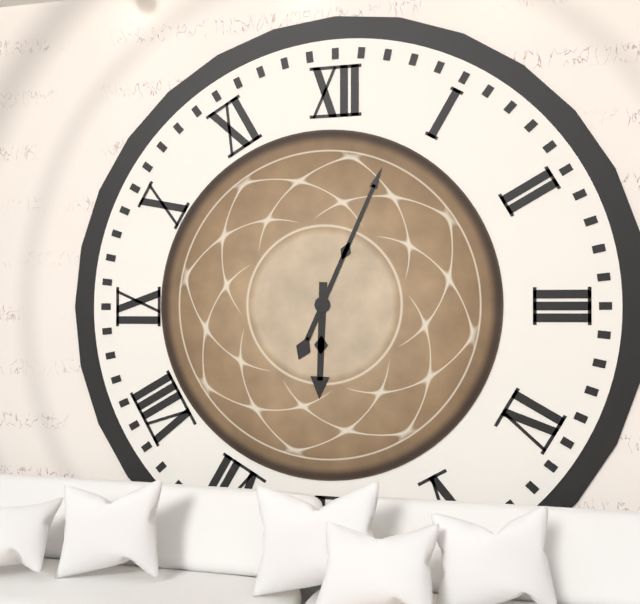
6:04
